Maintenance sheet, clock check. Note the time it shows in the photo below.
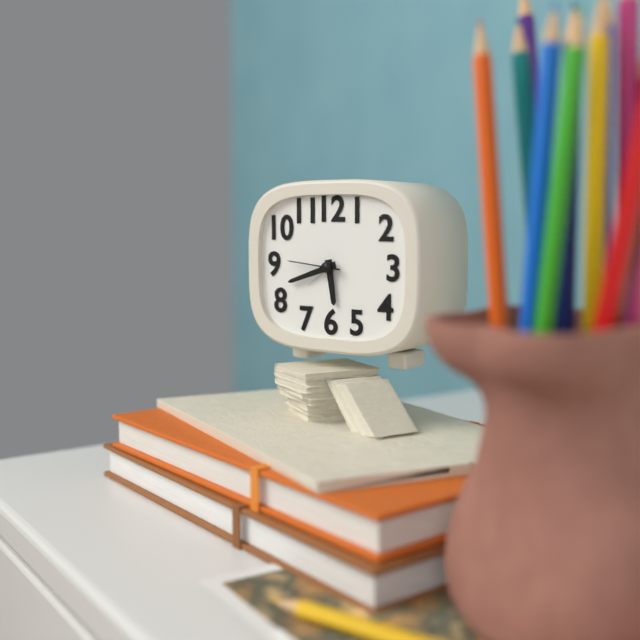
5:42:46
